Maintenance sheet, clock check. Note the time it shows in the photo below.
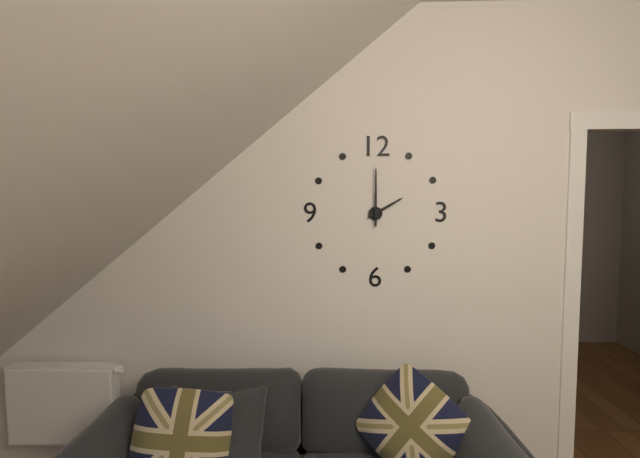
2:00
